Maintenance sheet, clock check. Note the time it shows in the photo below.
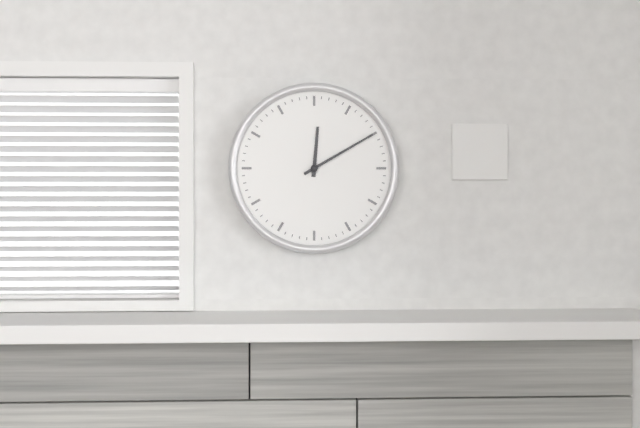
12:10
